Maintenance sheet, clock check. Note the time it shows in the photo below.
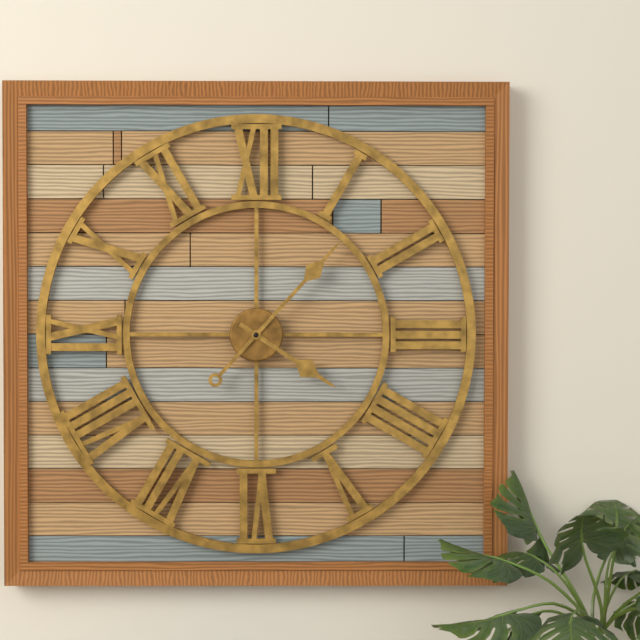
4:07
